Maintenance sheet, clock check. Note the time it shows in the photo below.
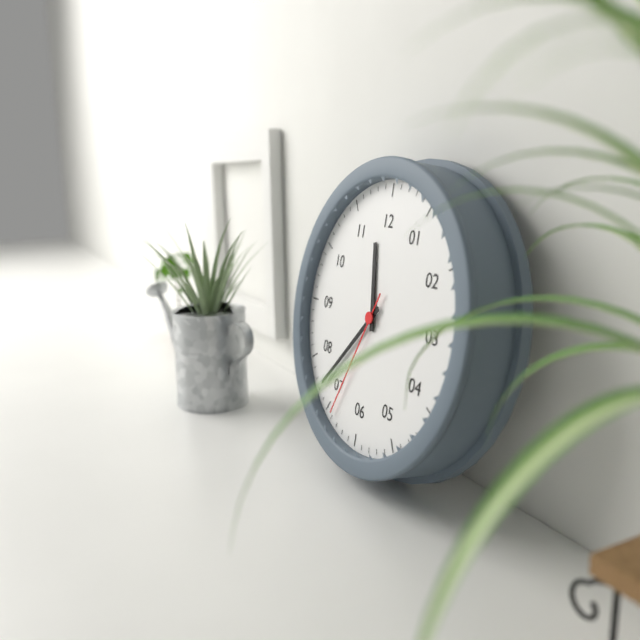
11:37:34
